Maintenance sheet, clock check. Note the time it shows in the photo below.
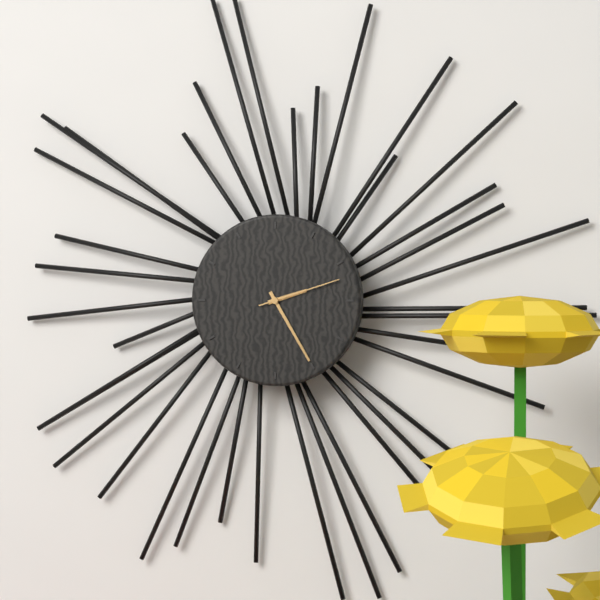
2:25:12
